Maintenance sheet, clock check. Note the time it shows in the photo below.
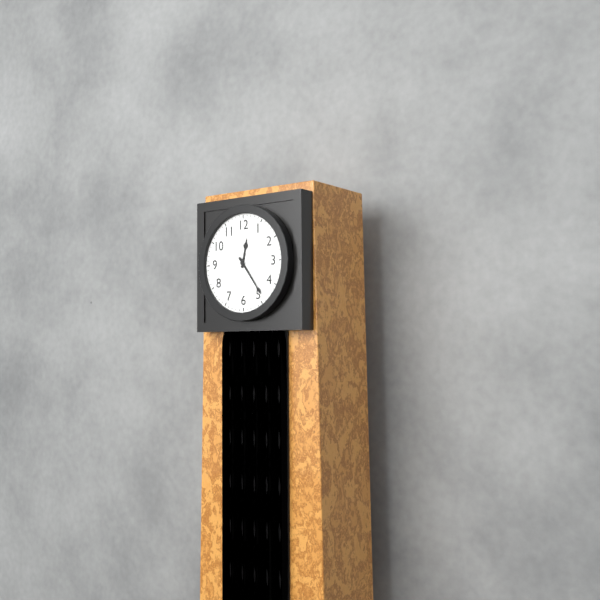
12:24
